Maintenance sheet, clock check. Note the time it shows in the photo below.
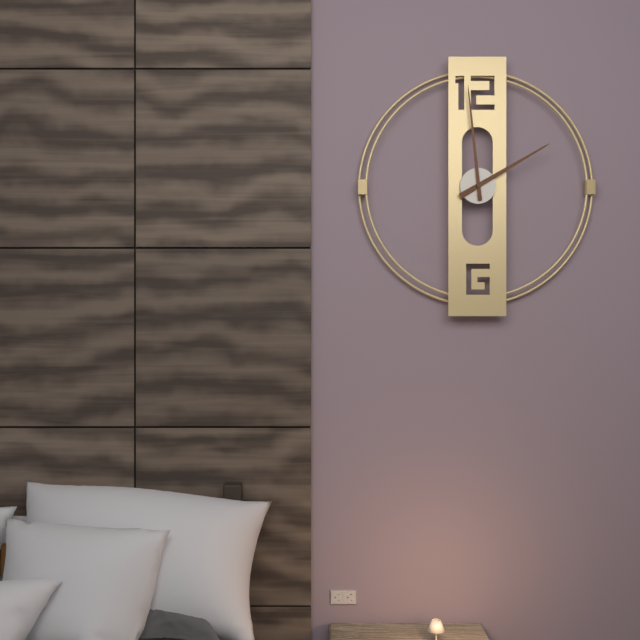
1:59
